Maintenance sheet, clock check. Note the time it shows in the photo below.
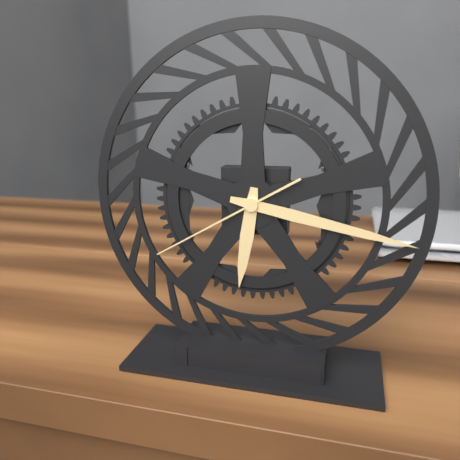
6:17:40
